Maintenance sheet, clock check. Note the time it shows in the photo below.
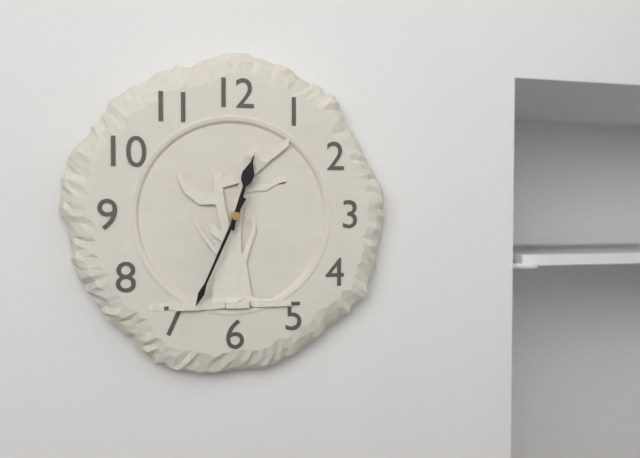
12:34
